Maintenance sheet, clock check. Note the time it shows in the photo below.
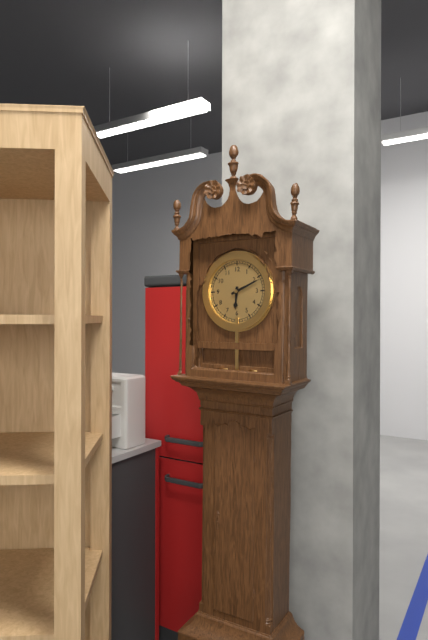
6:11
